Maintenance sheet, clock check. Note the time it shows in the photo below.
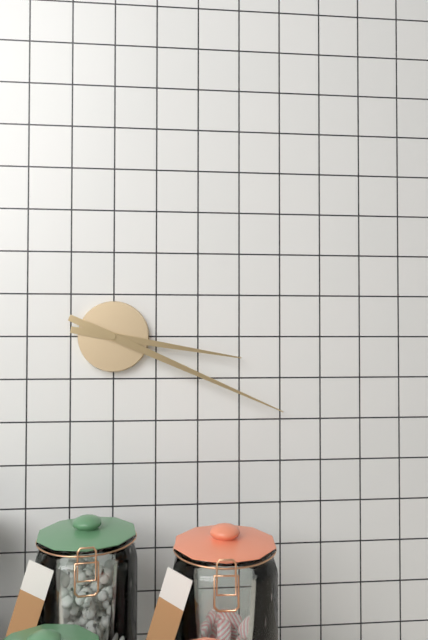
3:19
